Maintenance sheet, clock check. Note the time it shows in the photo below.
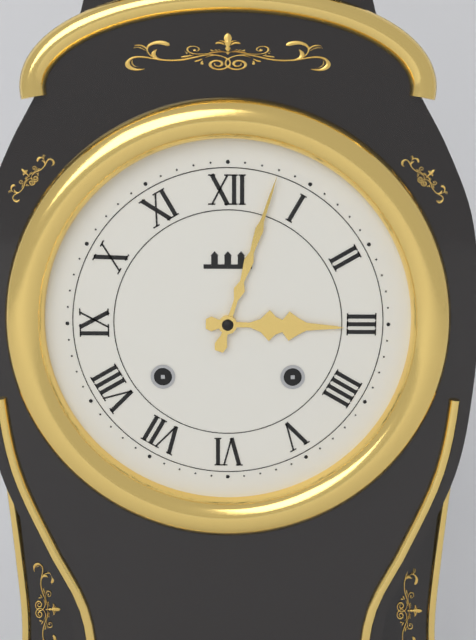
3:03
